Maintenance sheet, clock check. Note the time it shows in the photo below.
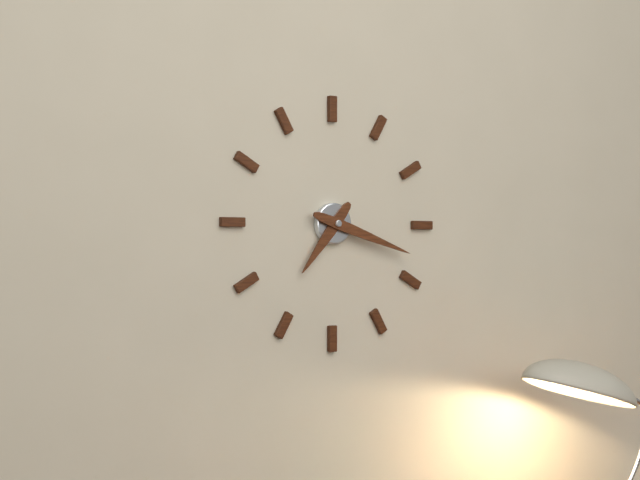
7:18
